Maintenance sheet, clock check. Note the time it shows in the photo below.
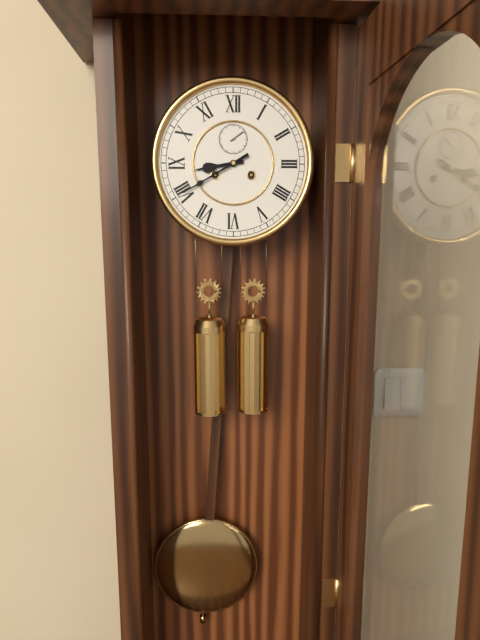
8:40
